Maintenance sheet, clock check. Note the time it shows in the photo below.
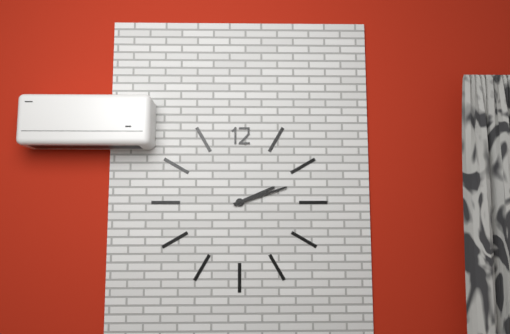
2:12
